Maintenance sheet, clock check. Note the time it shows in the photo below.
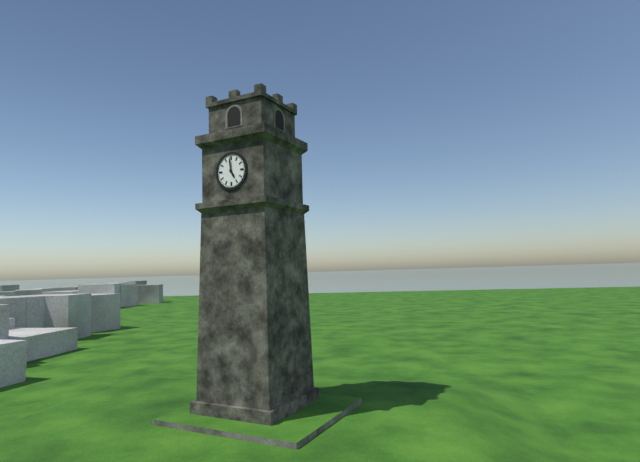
4:59
